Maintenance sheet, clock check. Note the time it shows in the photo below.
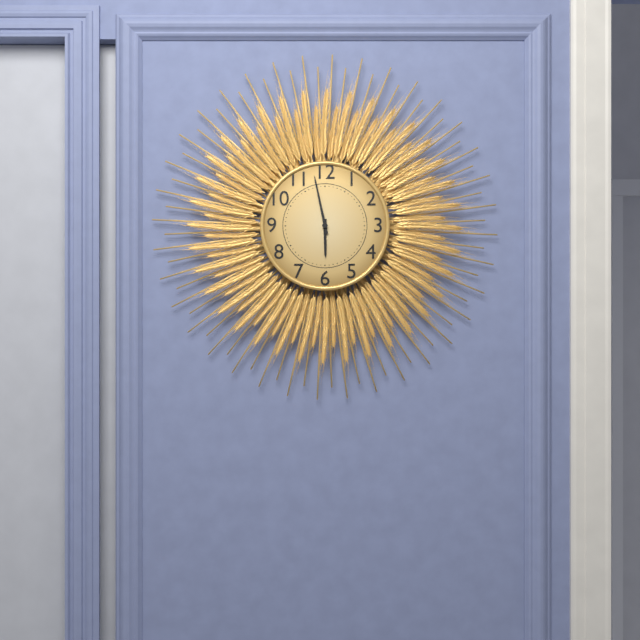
5:58
